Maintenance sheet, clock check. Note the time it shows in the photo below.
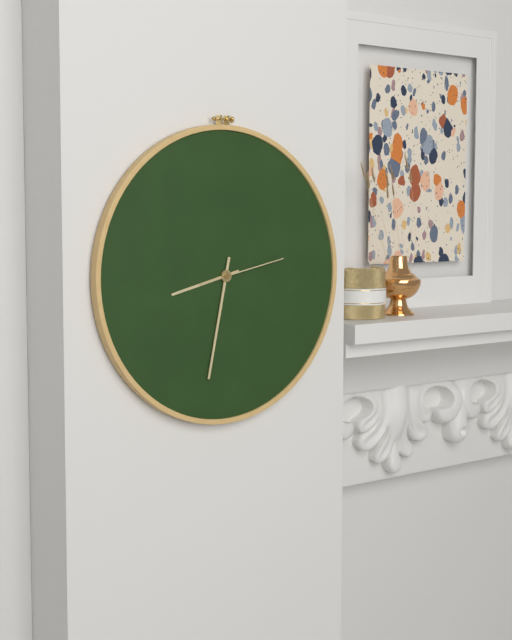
8:32:13
